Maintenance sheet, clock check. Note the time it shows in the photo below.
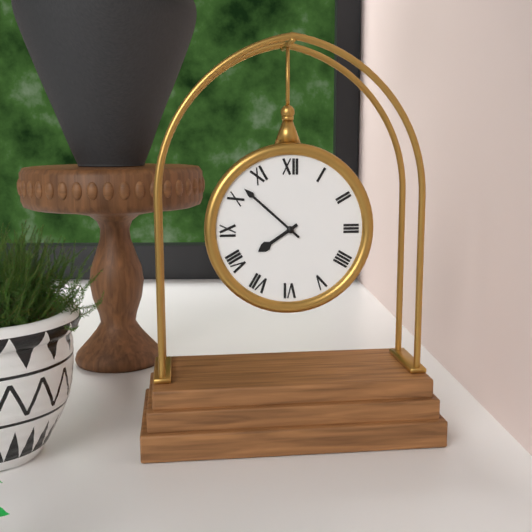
7:52
